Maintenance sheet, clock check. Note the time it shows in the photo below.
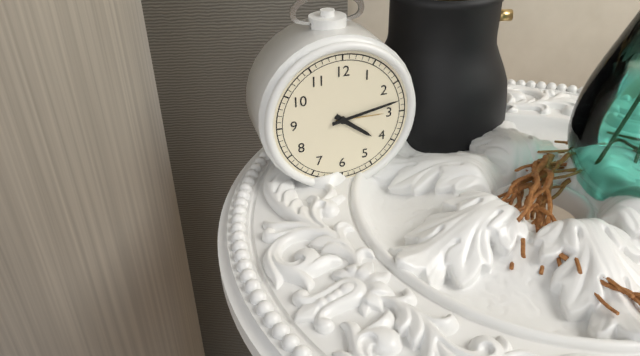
4:13
